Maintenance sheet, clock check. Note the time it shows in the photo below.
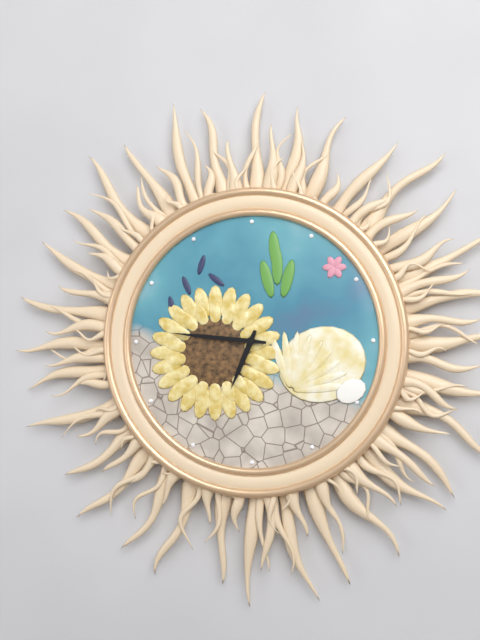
6:46
